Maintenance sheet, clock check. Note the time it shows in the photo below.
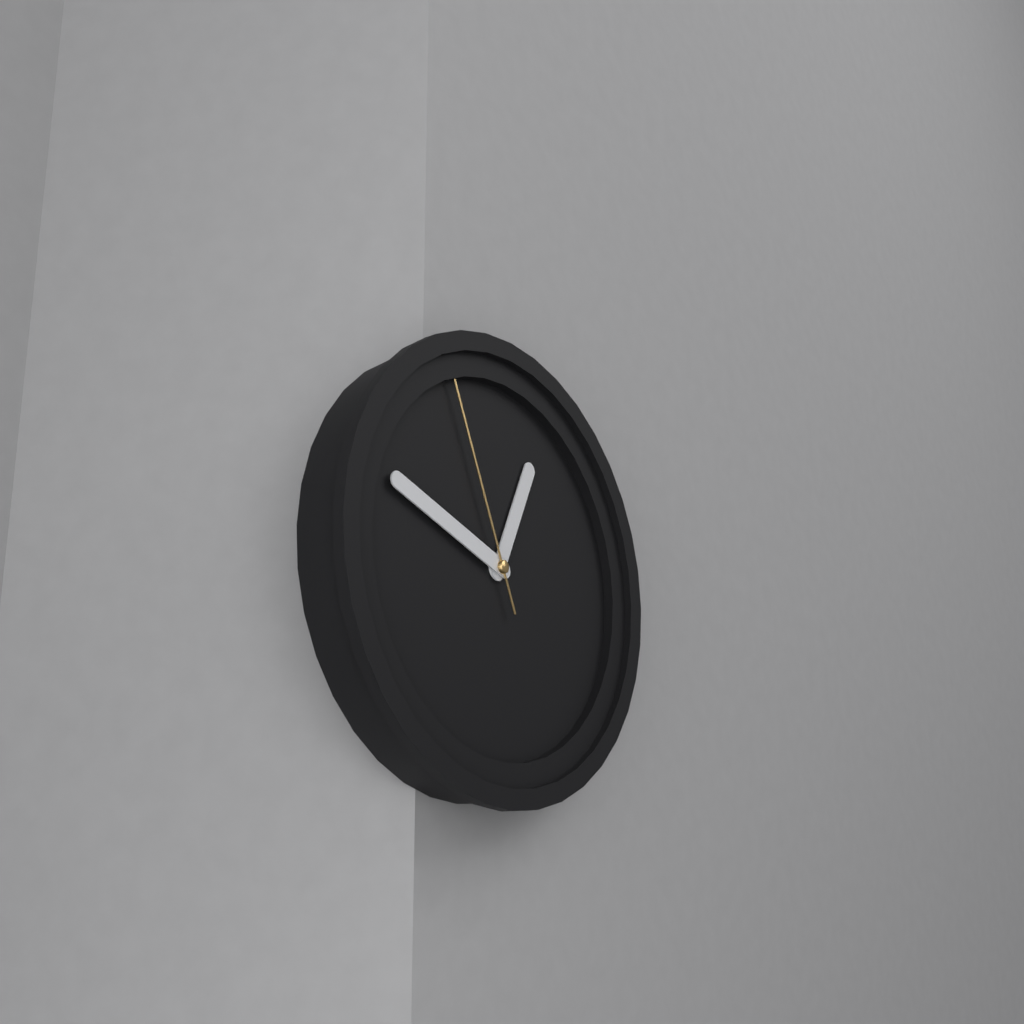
12:48:56
